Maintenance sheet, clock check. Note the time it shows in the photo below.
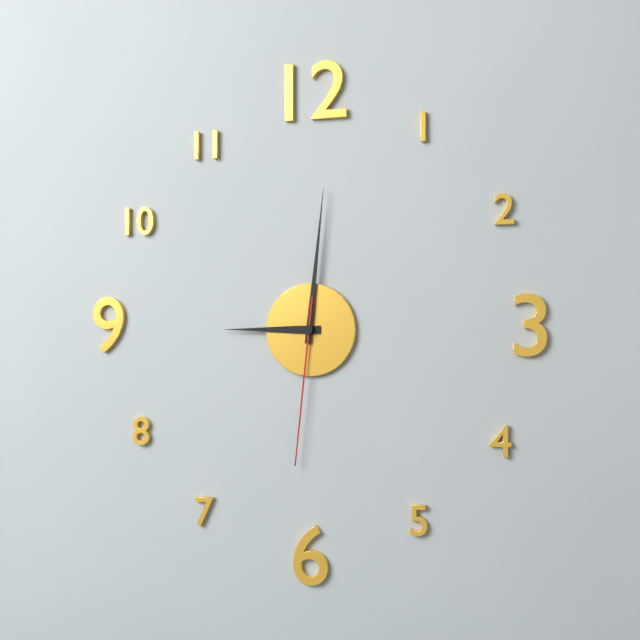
9:01:31
